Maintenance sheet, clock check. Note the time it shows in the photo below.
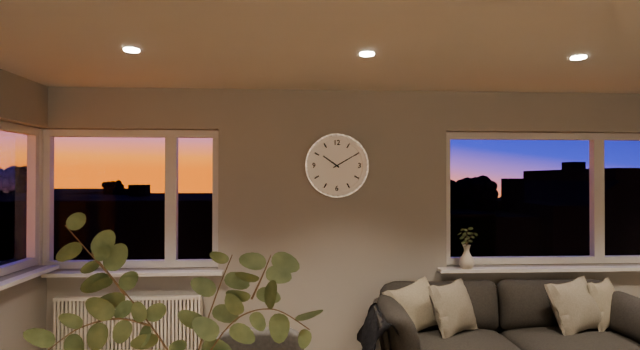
10:10
